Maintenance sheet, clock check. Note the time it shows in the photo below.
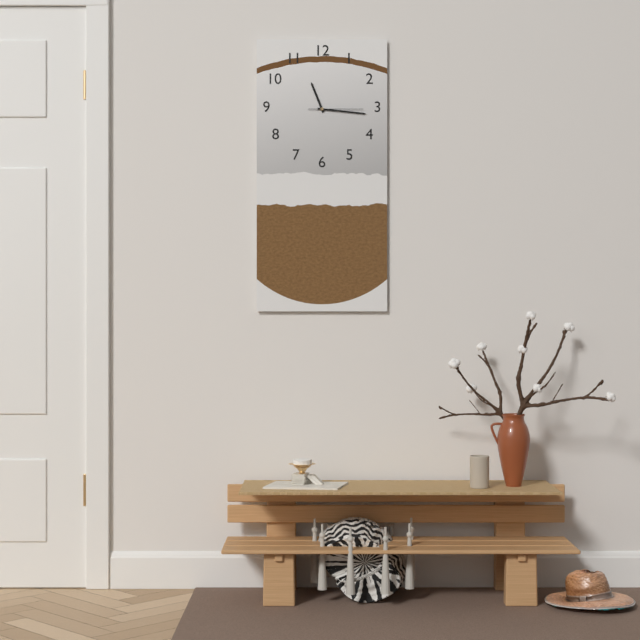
11:16:15
